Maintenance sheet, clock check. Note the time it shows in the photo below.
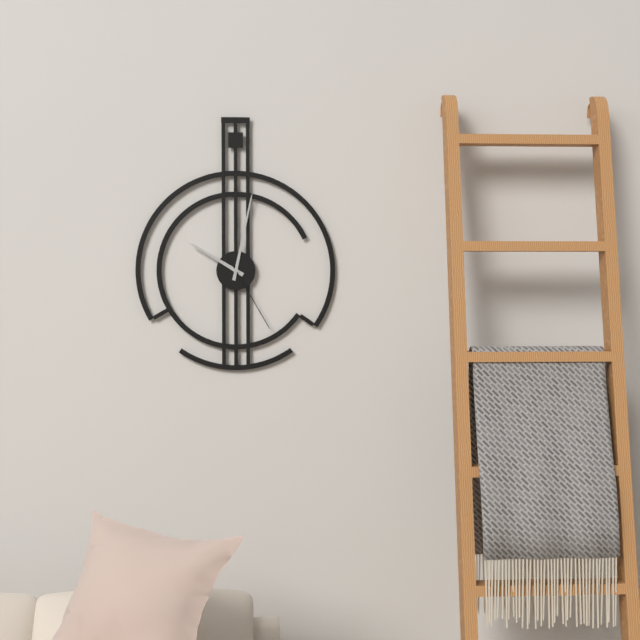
10:02:25
